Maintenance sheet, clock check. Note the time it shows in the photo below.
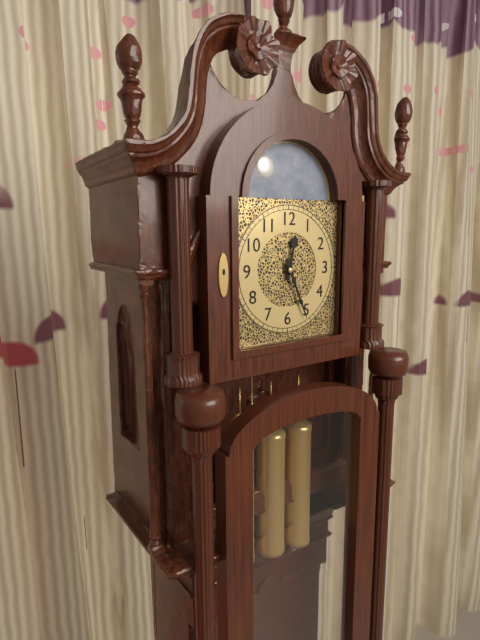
12:26
